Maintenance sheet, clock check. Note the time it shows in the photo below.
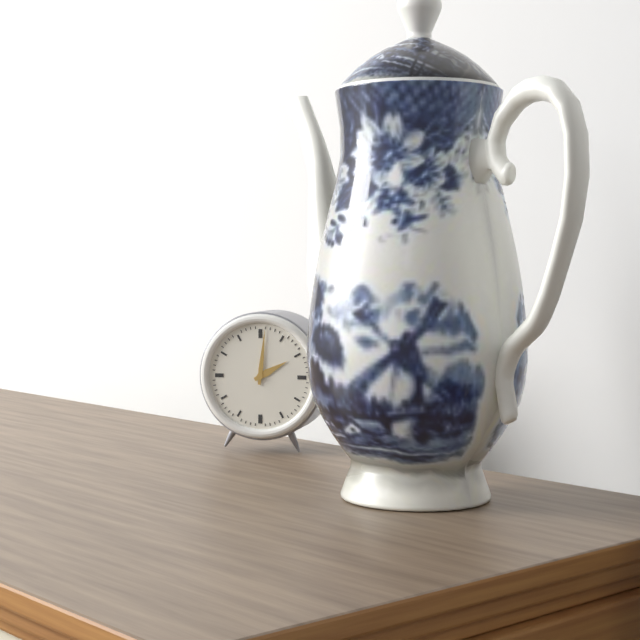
2:01
